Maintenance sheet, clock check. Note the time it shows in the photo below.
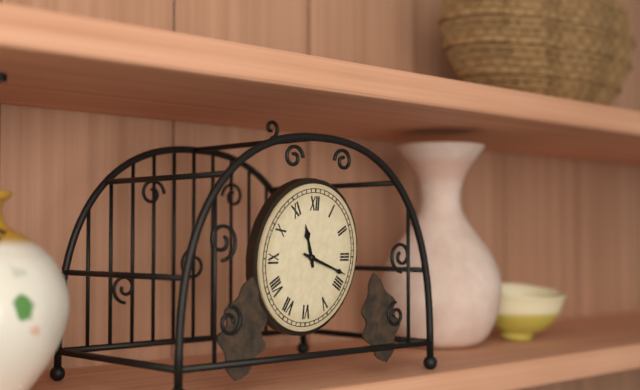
11:18
